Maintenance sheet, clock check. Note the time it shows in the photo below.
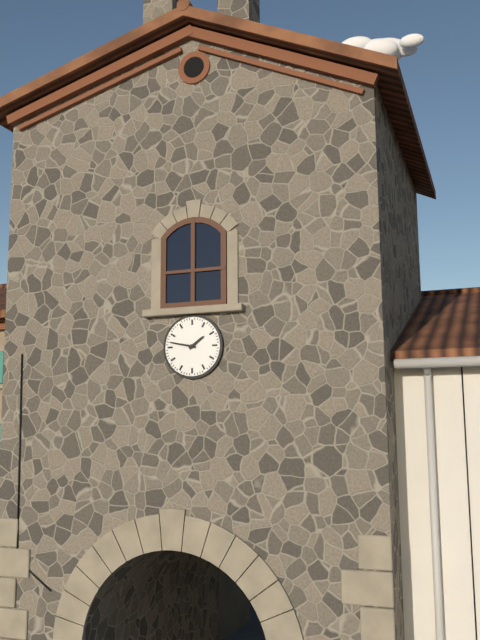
1:47
